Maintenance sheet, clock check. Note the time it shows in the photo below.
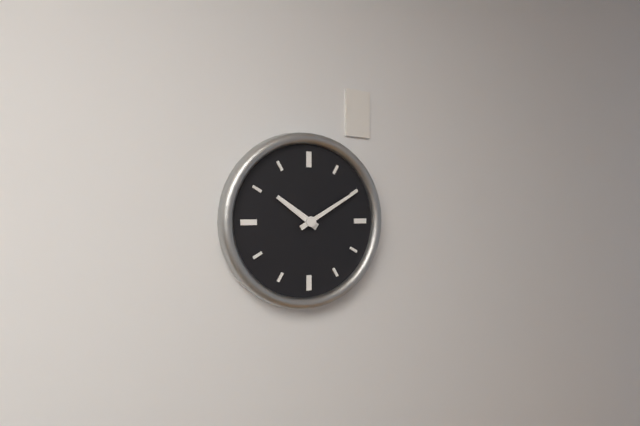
10:10
